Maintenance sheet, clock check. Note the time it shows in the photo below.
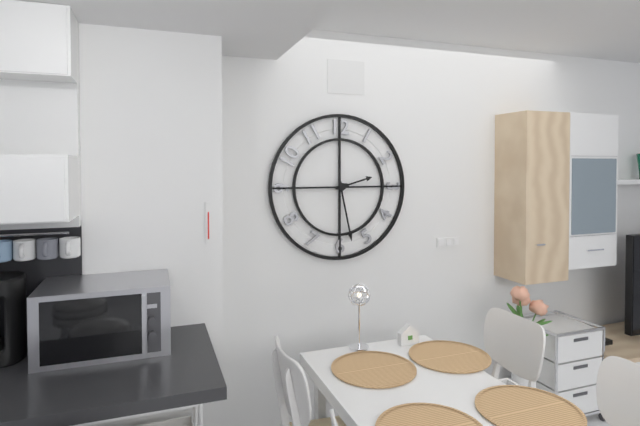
2:28
